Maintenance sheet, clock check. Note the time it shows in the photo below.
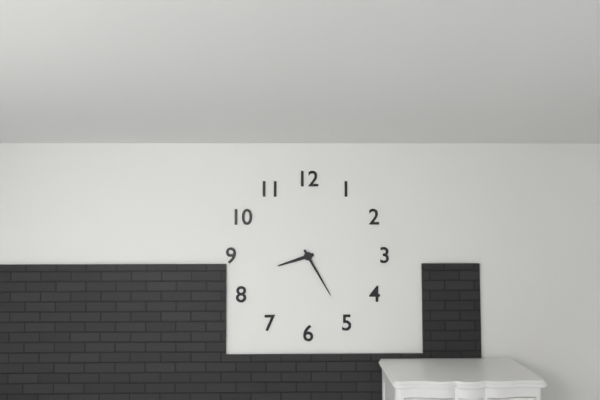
8:25
